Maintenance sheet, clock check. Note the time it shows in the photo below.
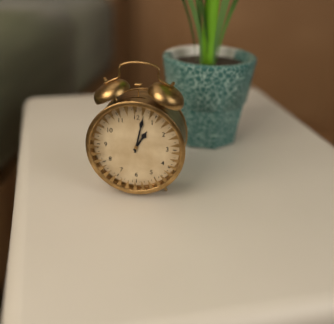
1:02
